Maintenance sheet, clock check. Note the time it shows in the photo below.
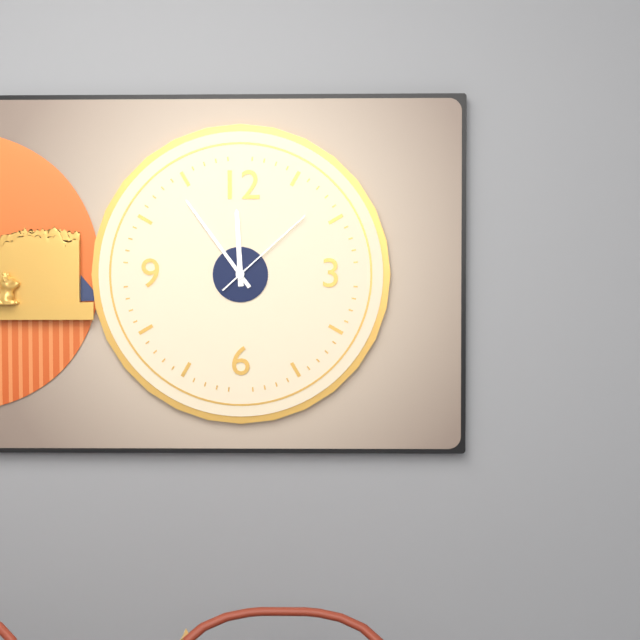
11:54:08
